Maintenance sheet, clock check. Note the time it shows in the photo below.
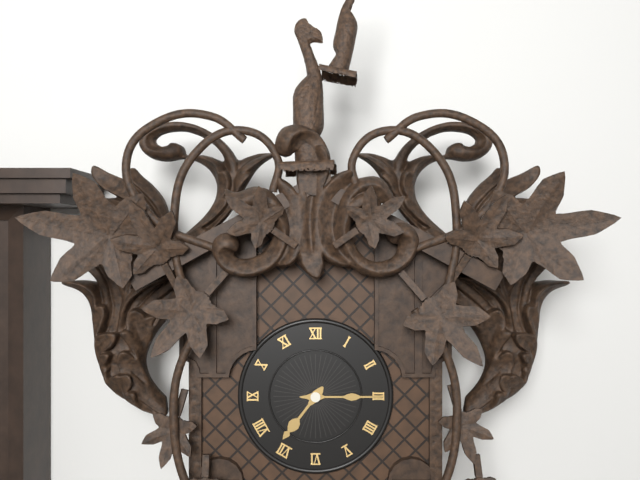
7:15
